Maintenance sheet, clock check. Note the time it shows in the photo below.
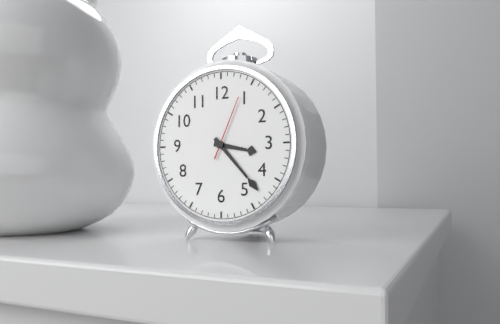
3:23:04
